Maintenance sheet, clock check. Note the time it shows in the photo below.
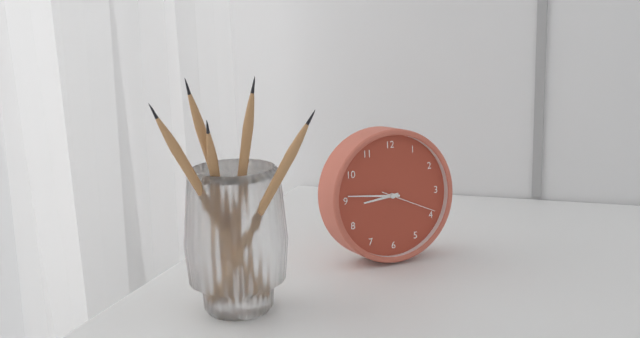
8:46:19
